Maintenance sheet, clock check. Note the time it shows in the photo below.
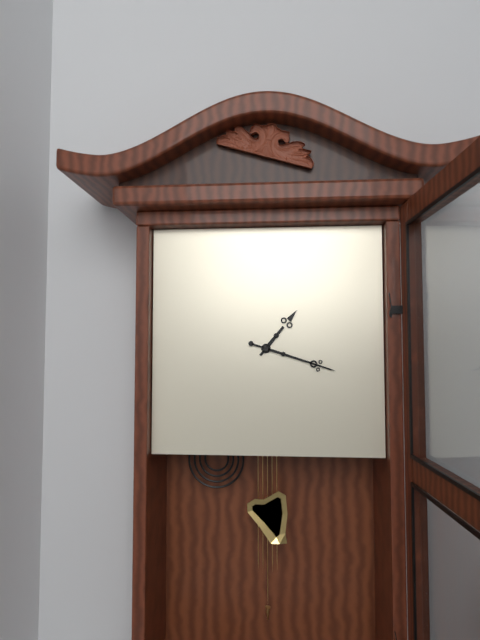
1:18
